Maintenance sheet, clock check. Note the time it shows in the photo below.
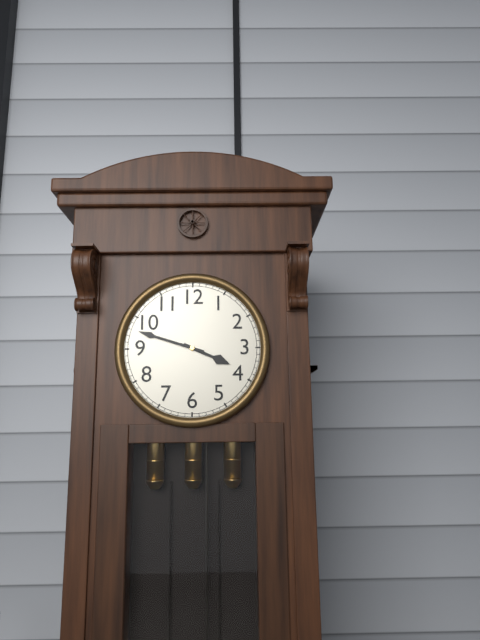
3:48
